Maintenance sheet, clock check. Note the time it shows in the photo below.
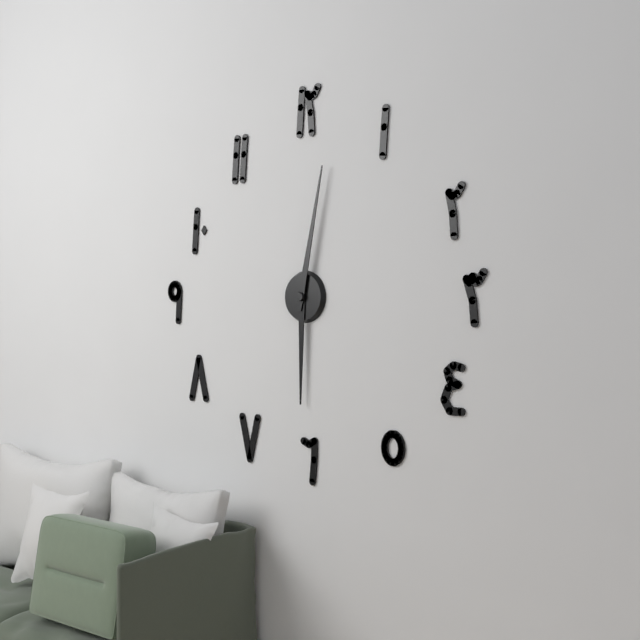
6:02
